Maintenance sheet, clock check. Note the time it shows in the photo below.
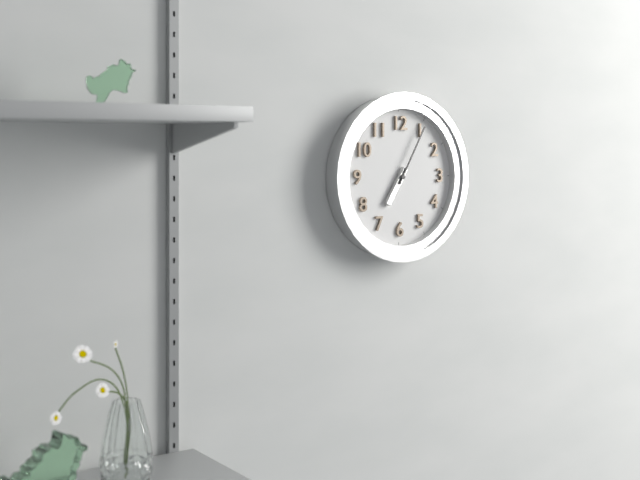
7:05
